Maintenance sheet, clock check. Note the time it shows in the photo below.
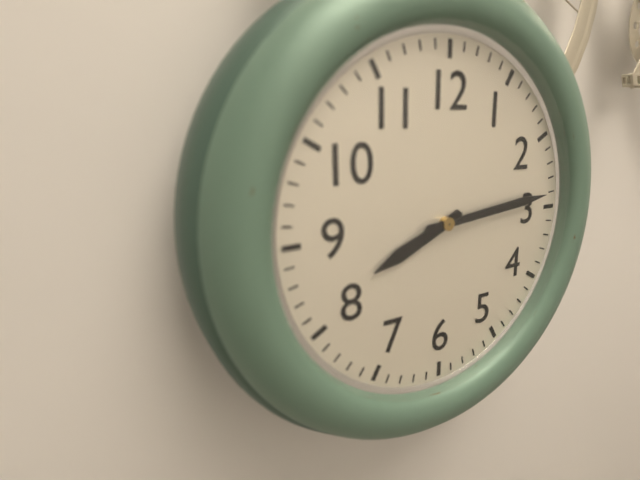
8:14
